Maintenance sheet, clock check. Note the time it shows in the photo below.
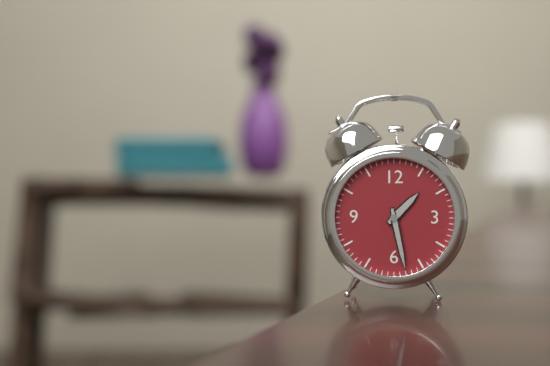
1:28
